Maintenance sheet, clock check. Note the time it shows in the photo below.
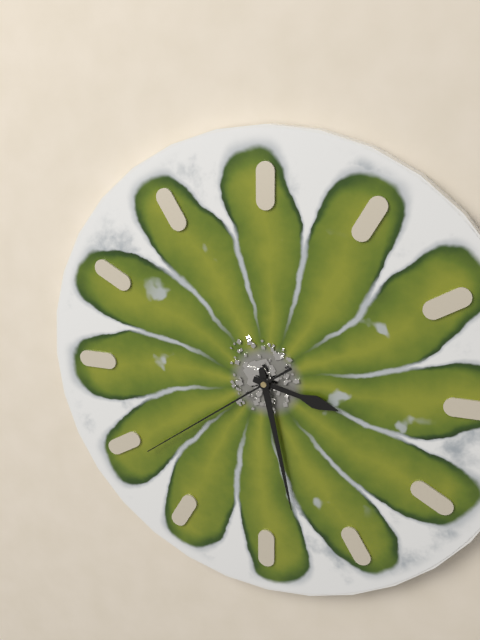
3:28:39
